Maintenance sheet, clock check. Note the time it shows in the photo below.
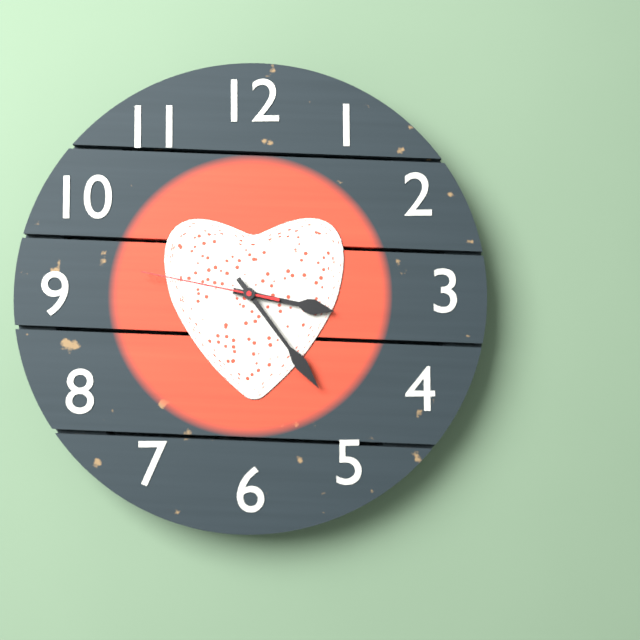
3:24:47
